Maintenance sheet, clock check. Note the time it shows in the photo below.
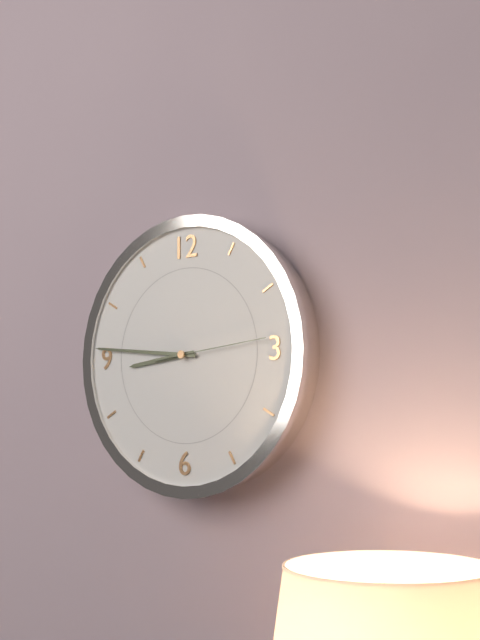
8:46:14
